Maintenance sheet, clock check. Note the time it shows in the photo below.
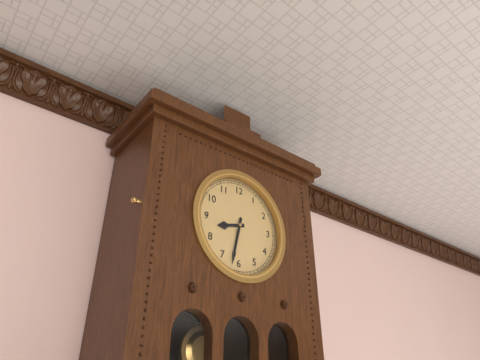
8:32
